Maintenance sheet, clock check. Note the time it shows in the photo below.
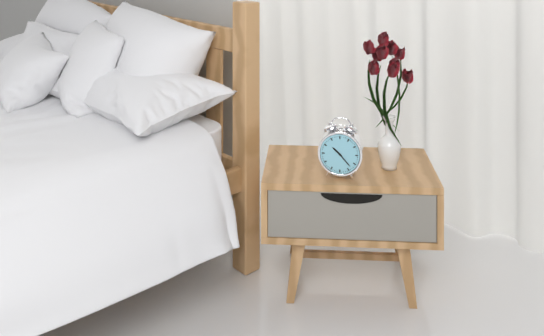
10:23
